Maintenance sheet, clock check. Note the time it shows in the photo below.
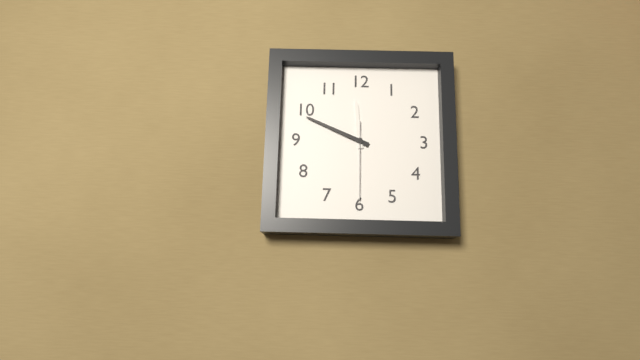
11:49:30
